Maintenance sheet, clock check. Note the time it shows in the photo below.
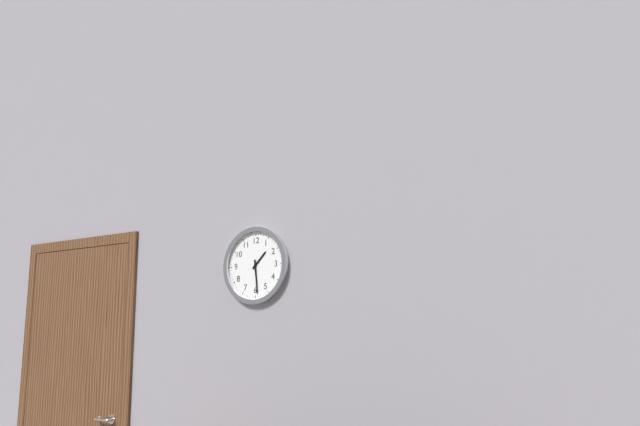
1:29
